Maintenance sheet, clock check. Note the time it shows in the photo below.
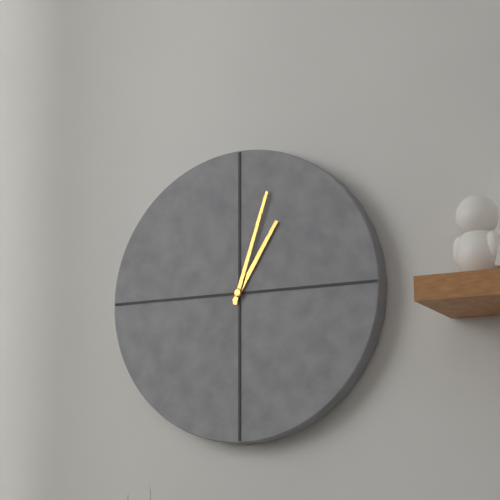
1:03
